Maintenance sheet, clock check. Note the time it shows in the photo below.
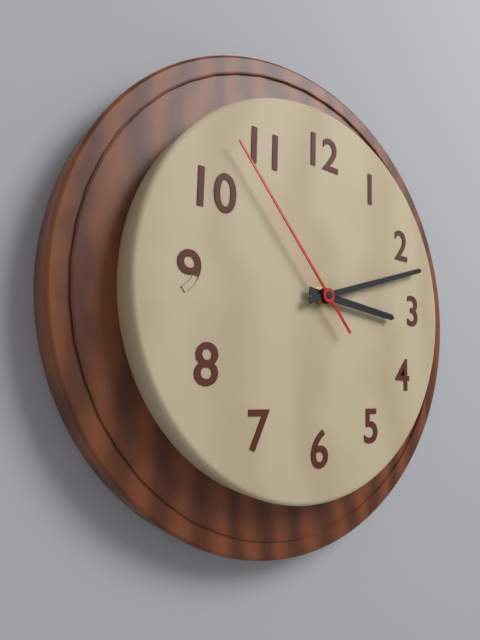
3:12:53
